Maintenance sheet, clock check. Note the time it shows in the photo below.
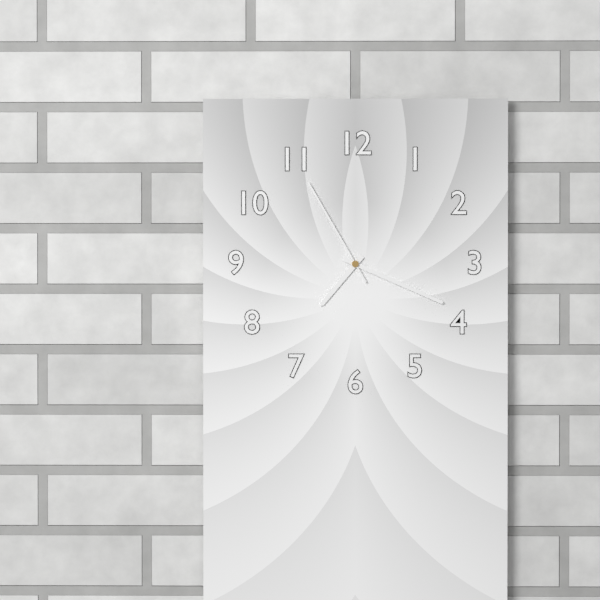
7:19:55
